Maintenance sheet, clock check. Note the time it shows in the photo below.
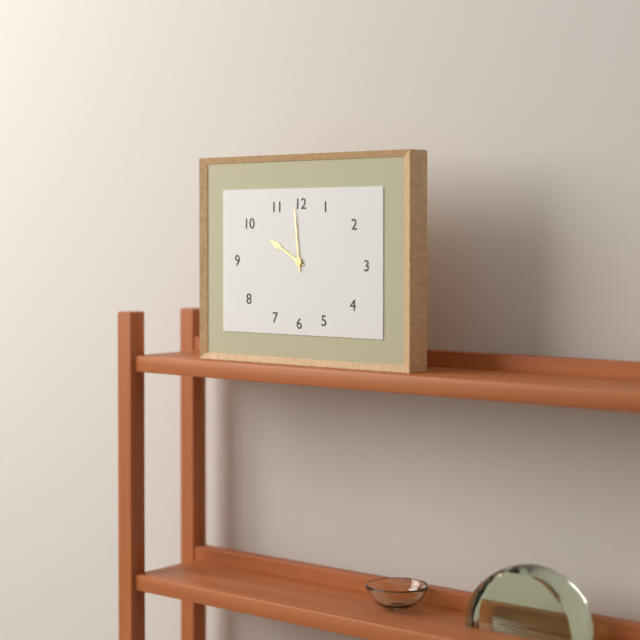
9:59
